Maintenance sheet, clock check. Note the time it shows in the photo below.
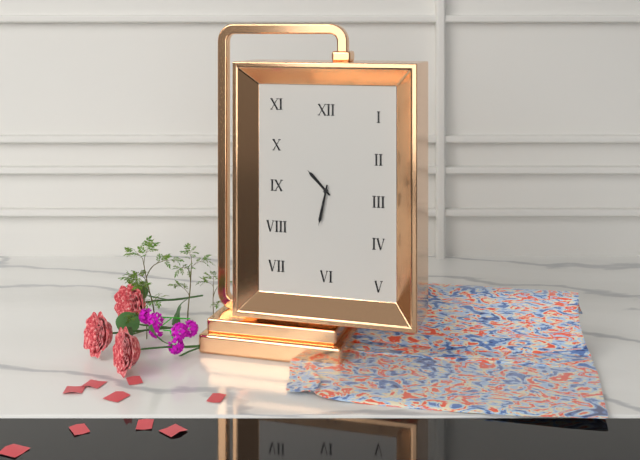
10:32
